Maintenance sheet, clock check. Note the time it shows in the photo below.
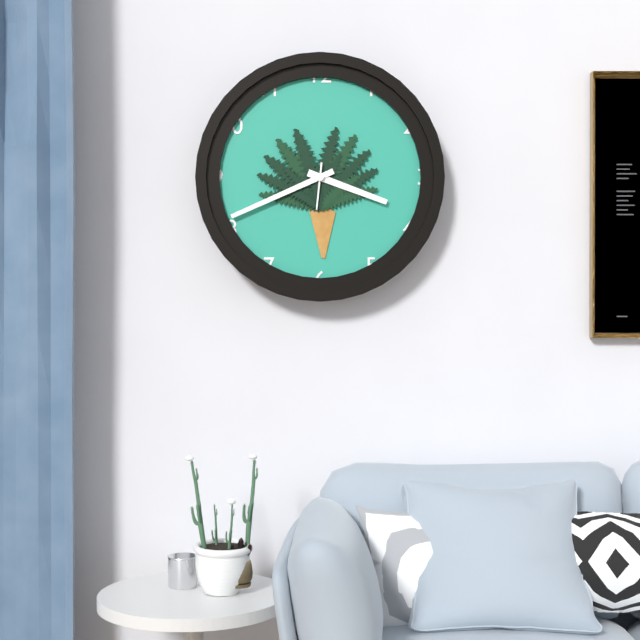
3:41
